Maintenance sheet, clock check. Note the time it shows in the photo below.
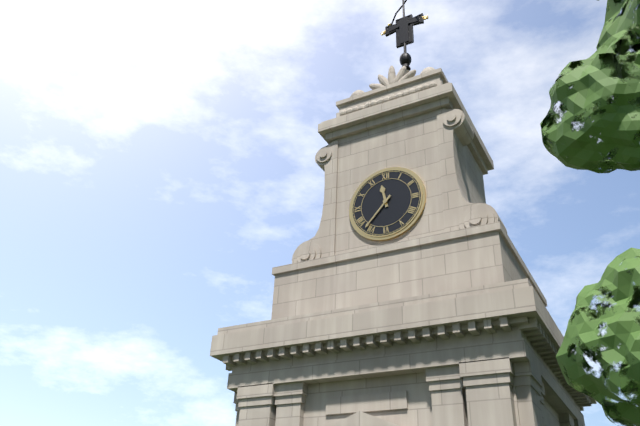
11:37
